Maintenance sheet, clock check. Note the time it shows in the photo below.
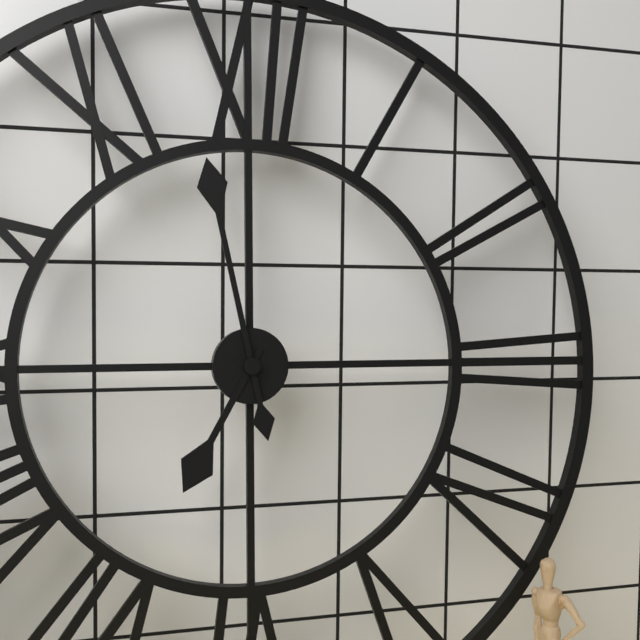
6:58
